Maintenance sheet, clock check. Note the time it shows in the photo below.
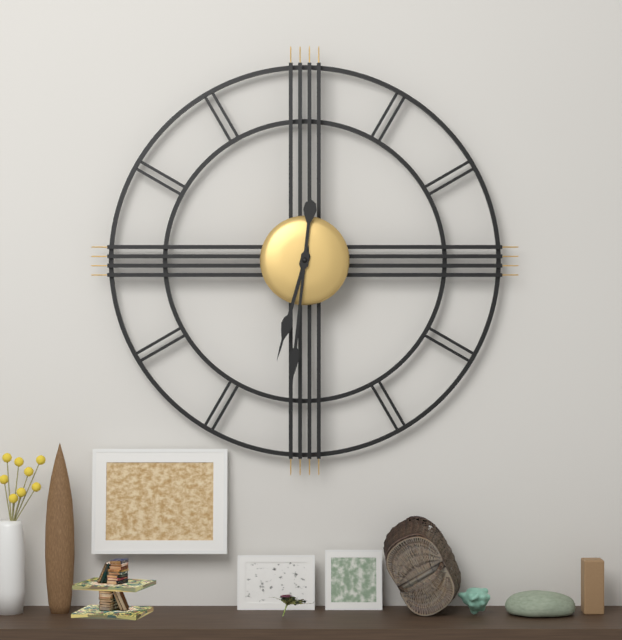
6:31
